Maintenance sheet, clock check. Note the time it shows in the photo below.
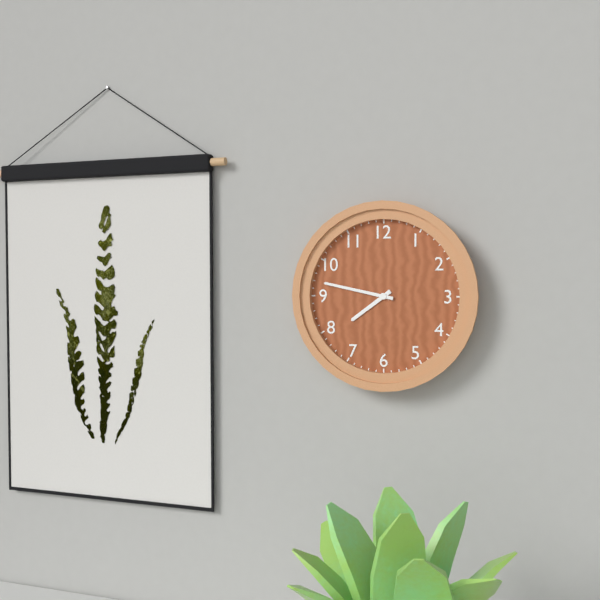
7:47
